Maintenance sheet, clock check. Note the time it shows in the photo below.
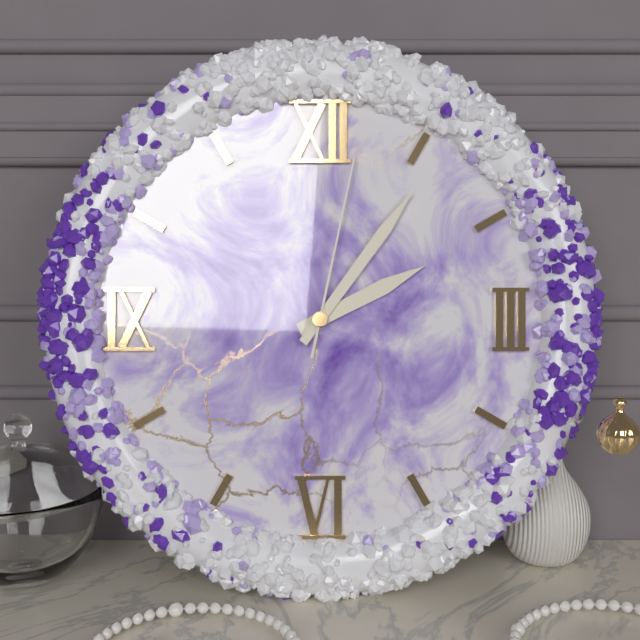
2:06:02
